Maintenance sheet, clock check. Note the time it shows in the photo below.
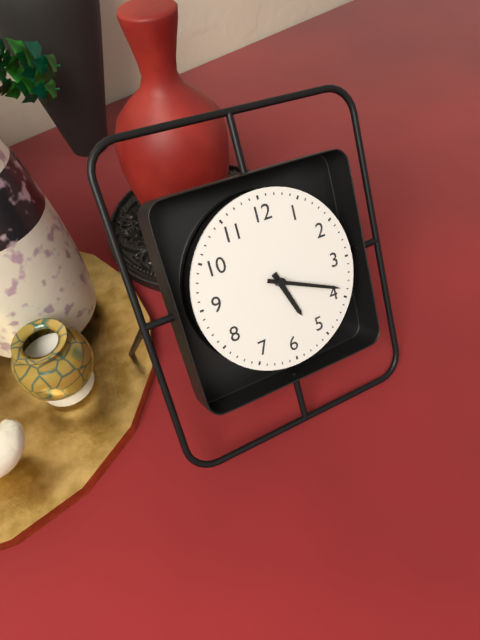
5:19
